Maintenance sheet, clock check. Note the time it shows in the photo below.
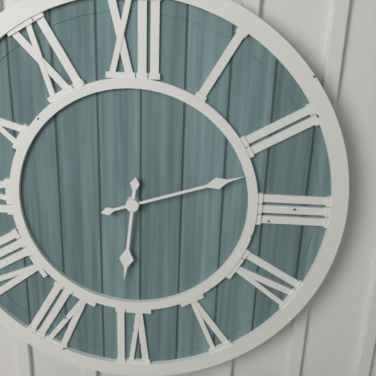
6:12
